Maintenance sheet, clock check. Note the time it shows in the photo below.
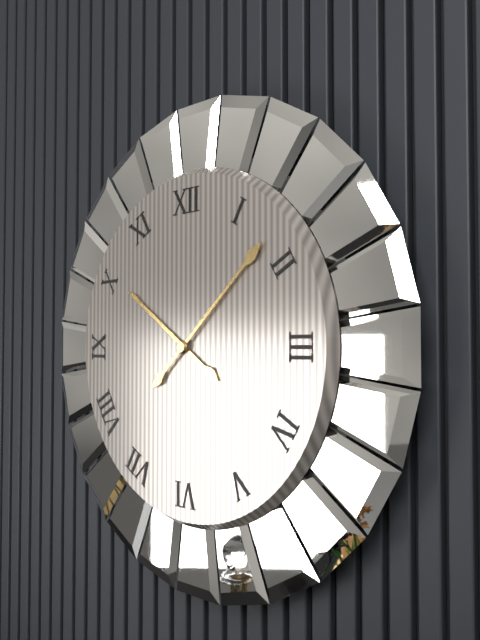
10:08
